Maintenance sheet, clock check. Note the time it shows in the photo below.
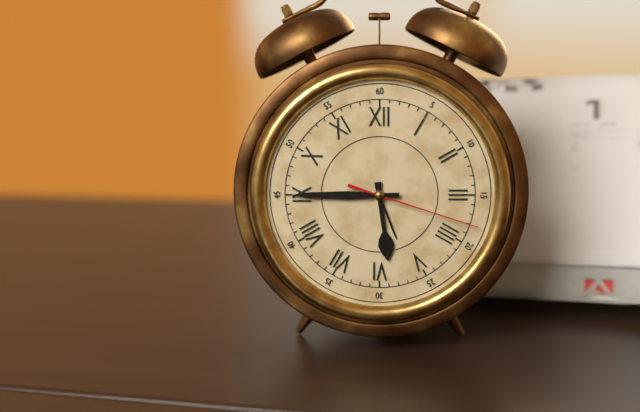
5:45:18
